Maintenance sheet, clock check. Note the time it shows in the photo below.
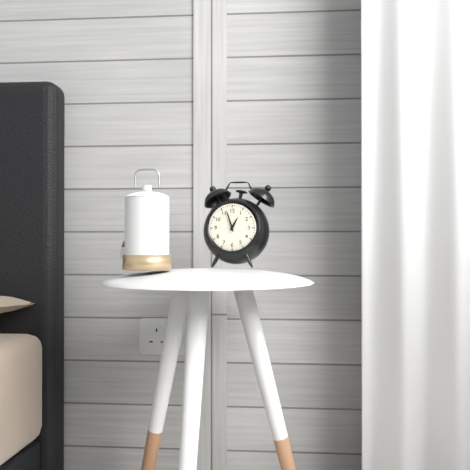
12:57
